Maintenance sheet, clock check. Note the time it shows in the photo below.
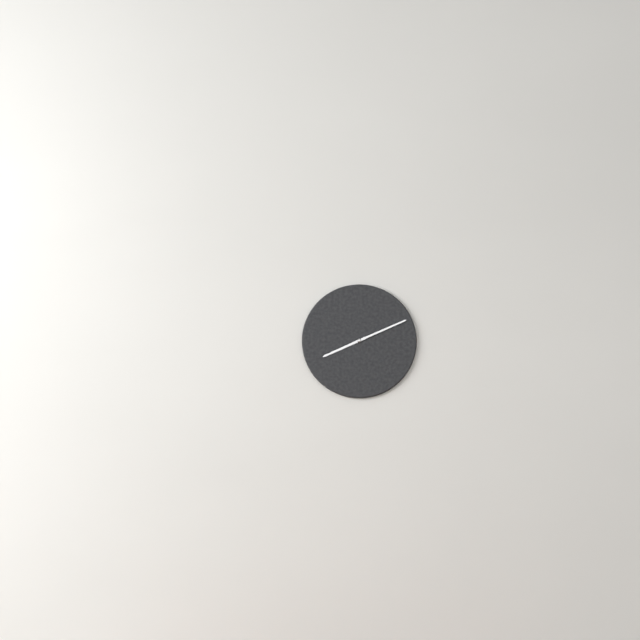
8:11
